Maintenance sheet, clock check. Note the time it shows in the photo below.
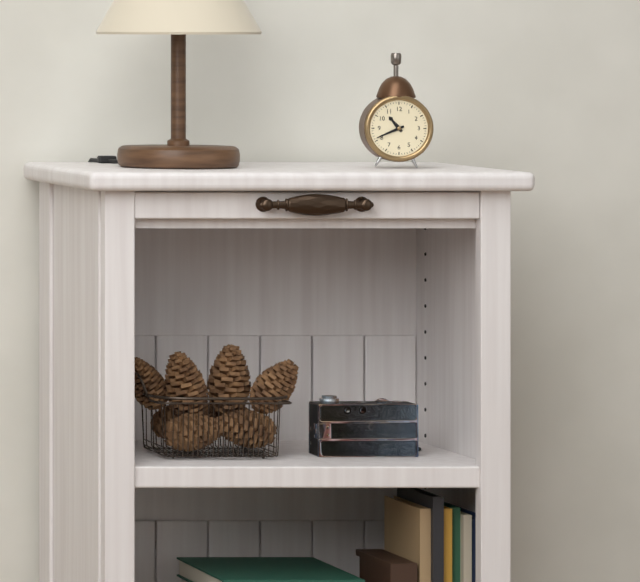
10:41
